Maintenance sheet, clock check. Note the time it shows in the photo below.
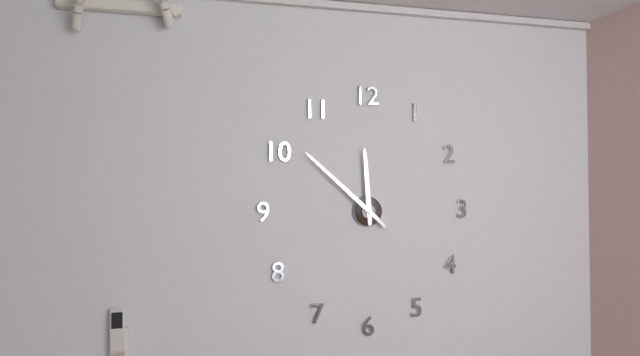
11:52
